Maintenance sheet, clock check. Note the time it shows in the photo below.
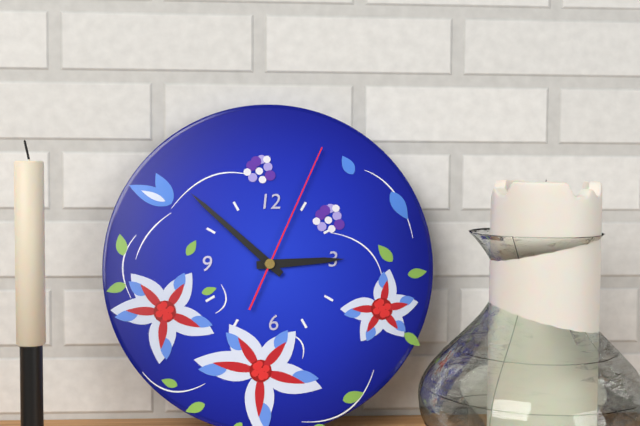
2:52:04
